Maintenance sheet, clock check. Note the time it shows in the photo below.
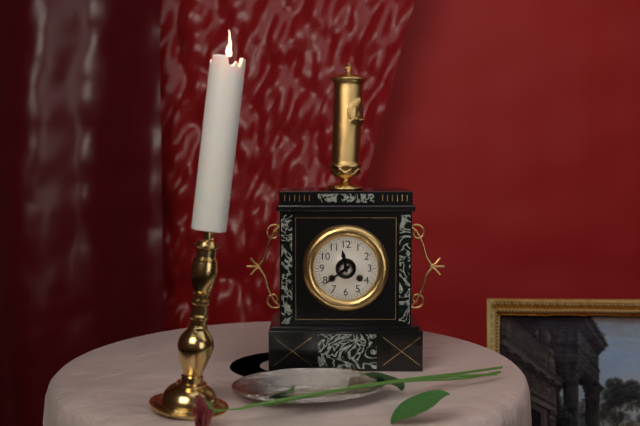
11:39
